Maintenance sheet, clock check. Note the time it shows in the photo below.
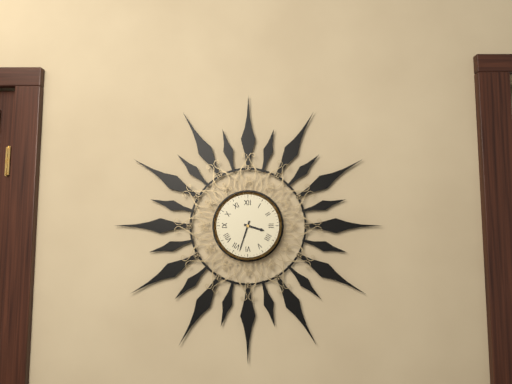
3:33
